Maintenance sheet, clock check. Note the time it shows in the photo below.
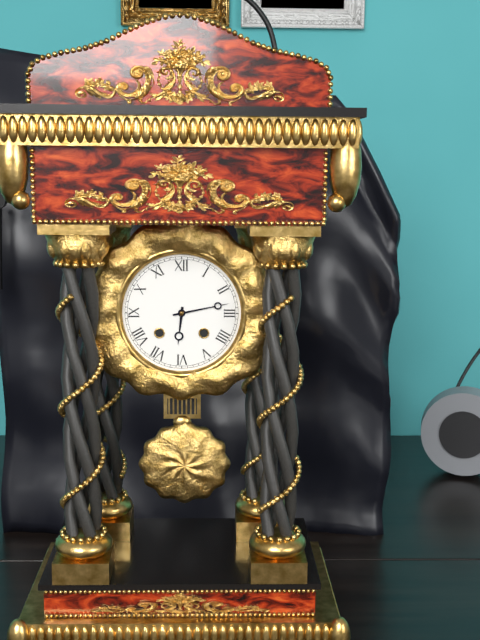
6:13
